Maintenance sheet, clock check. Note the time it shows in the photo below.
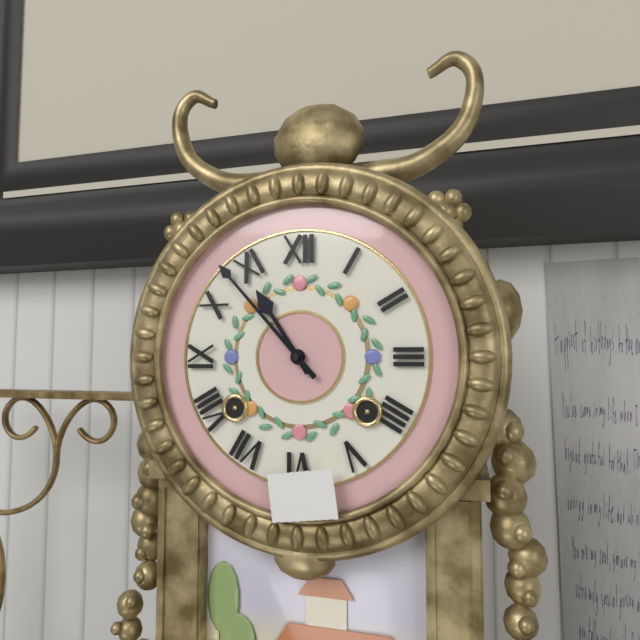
10:53
